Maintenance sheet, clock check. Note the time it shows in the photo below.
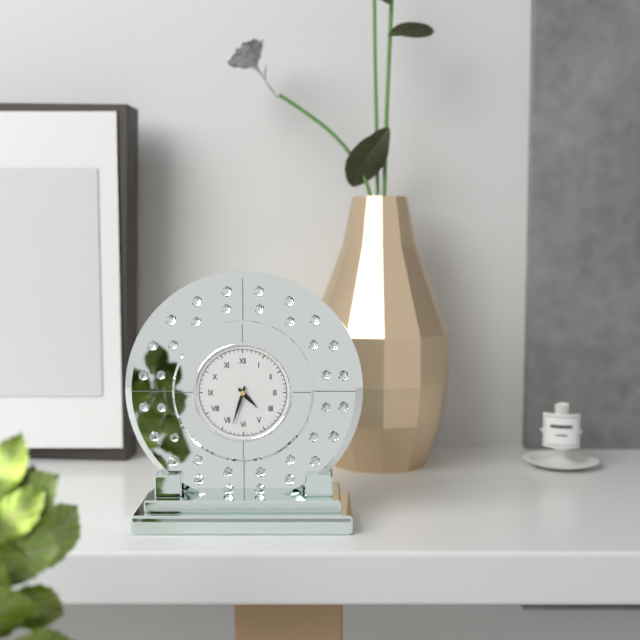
4:33
